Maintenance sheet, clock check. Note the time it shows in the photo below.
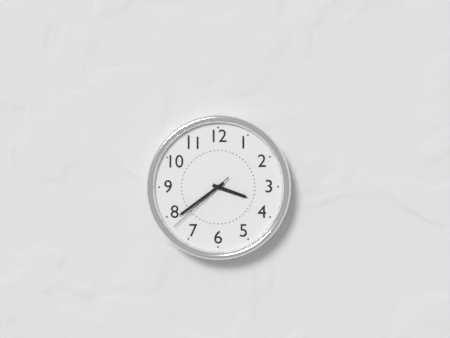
3:39:38
